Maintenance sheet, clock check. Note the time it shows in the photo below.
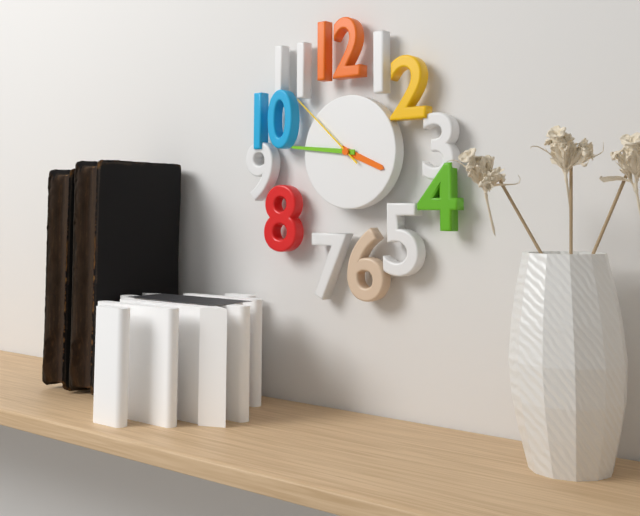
3:46:52
